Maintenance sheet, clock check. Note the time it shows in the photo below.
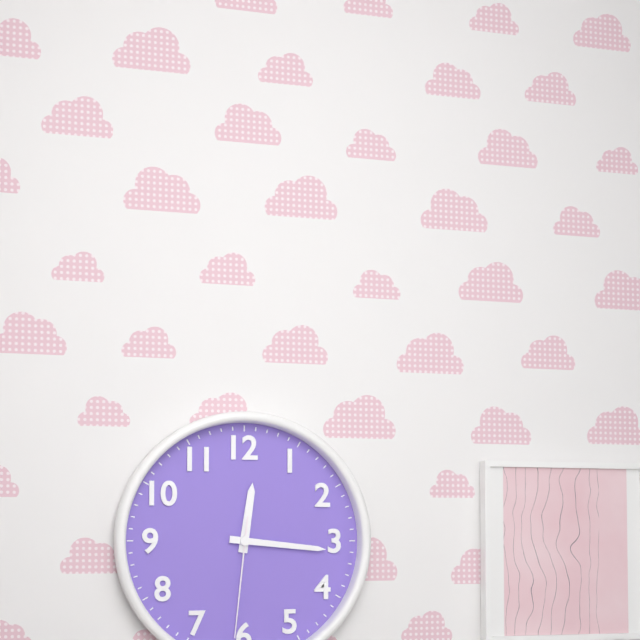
12:16:31
